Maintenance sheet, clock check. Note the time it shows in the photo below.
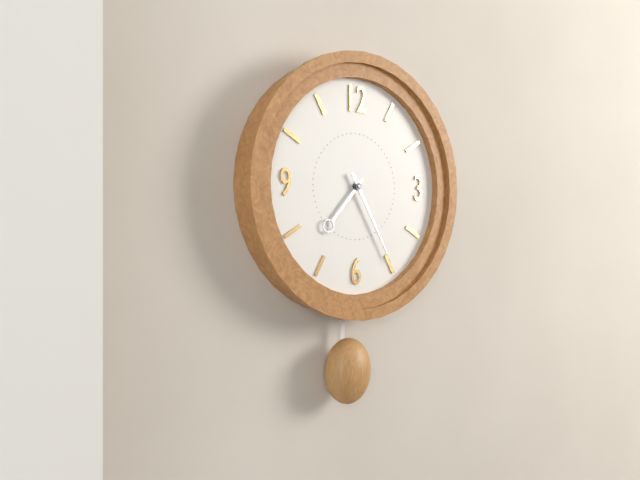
7:25
